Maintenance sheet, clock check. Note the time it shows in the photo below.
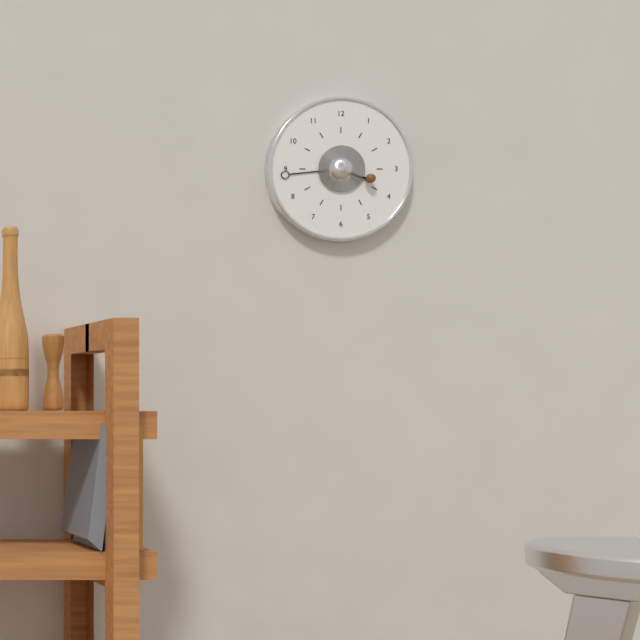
3:44
